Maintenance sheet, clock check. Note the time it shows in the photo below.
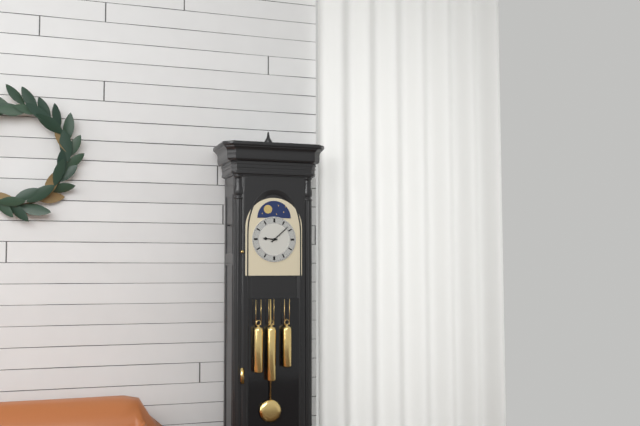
9:08
